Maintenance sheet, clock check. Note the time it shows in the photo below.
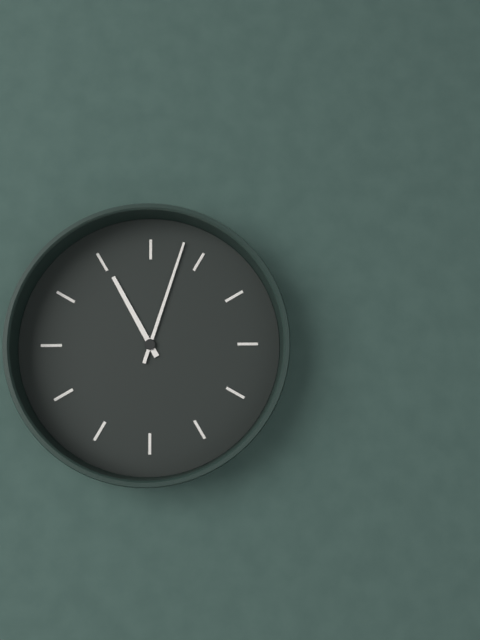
11:03
